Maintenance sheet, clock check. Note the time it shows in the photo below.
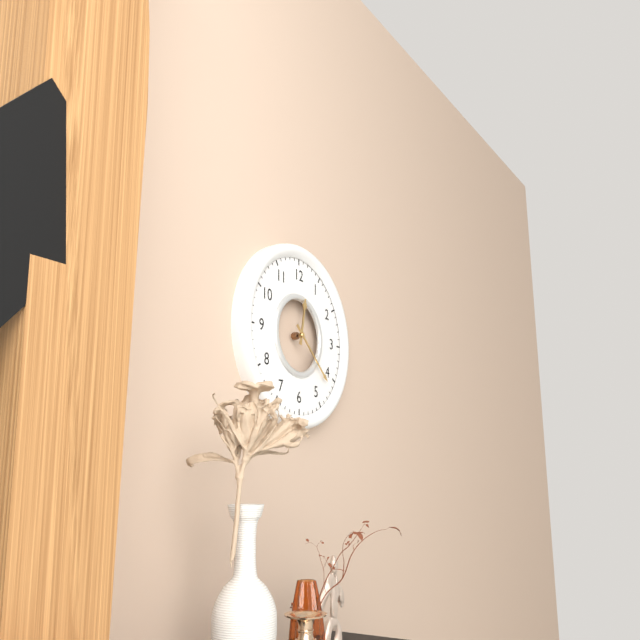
12:22
